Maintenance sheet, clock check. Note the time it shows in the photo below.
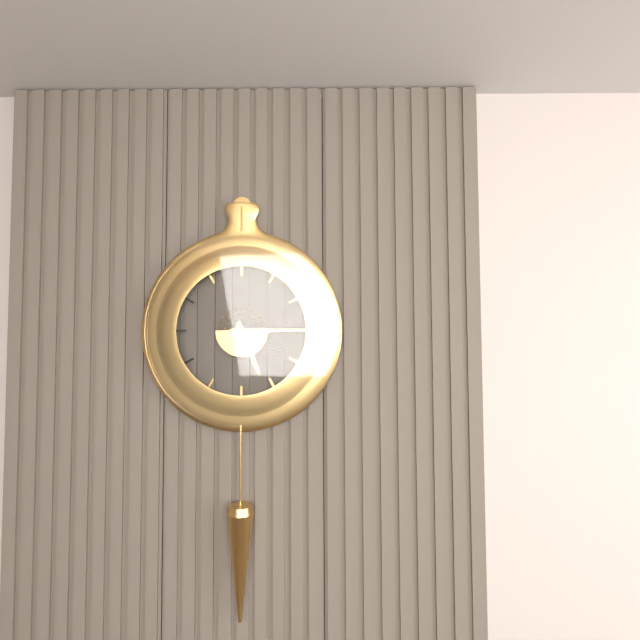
5:15
